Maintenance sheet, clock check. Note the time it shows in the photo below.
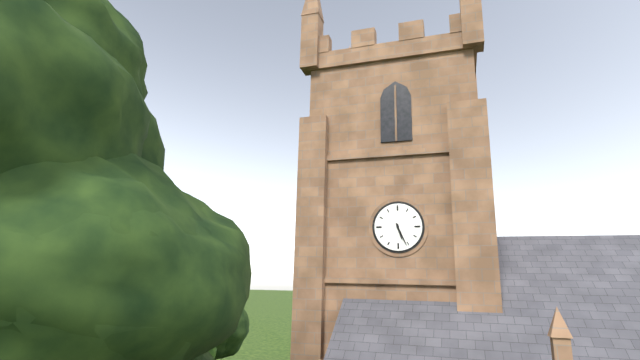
5:26
